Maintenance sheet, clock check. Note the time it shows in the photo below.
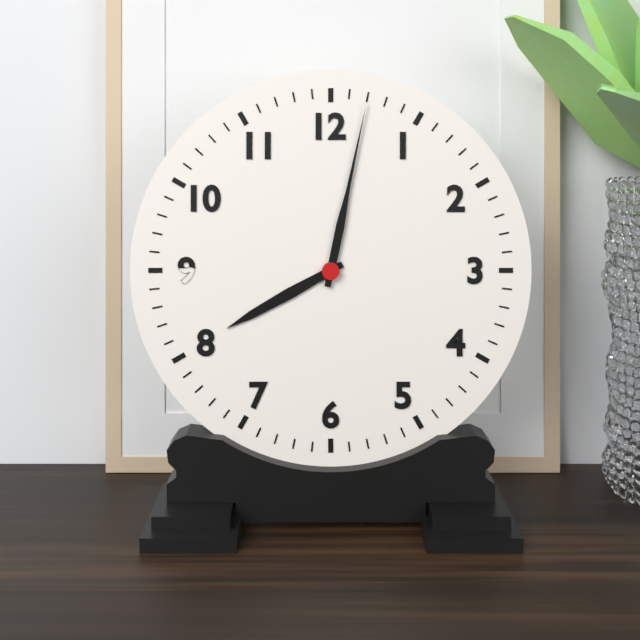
8:02
